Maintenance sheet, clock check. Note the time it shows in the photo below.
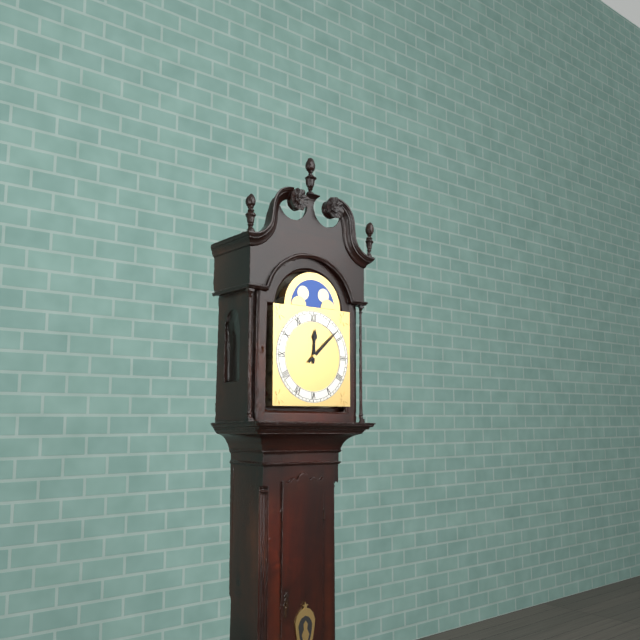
12:08
